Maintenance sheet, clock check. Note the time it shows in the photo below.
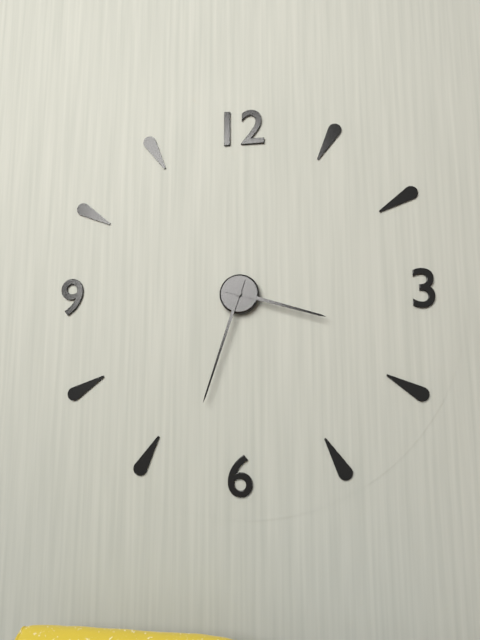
3:33
